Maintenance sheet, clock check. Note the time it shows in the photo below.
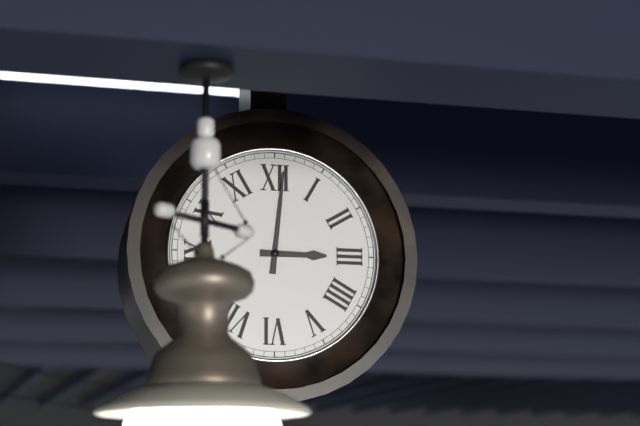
3:01
